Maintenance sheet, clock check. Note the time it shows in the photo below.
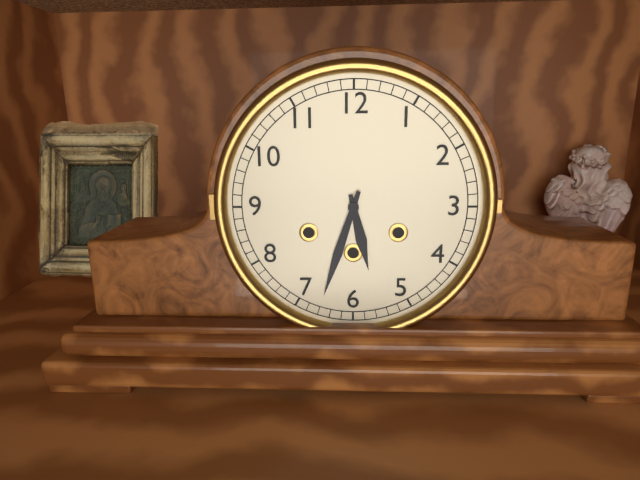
5:33
